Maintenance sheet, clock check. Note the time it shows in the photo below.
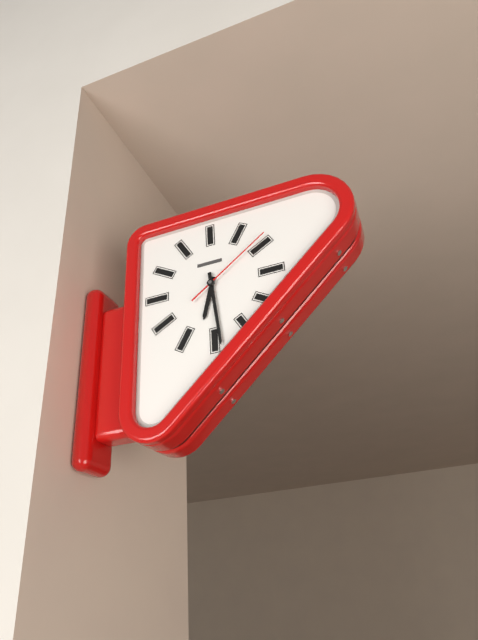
6:29:09
